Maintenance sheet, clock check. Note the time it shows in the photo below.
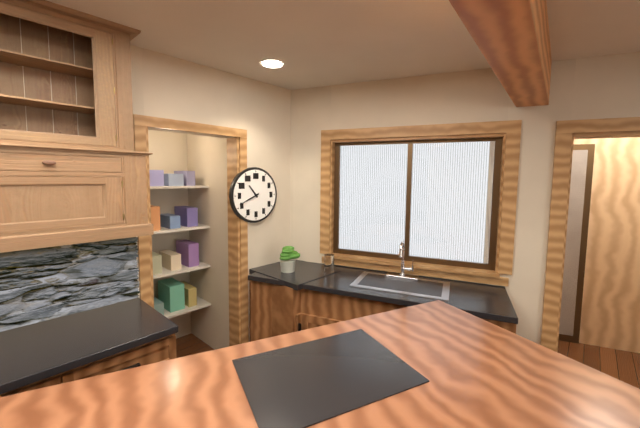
10:41
